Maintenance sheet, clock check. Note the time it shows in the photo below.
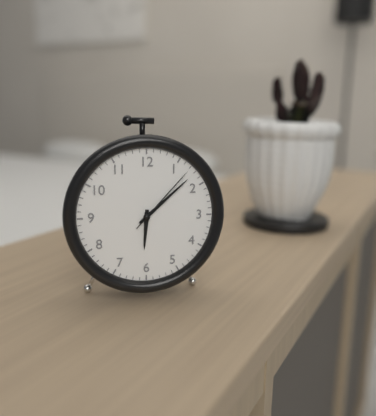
6:08:07
